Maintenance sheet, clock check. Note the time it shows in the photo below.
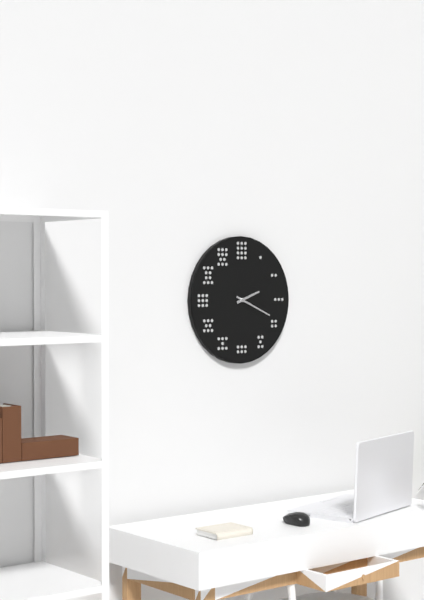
2:19
